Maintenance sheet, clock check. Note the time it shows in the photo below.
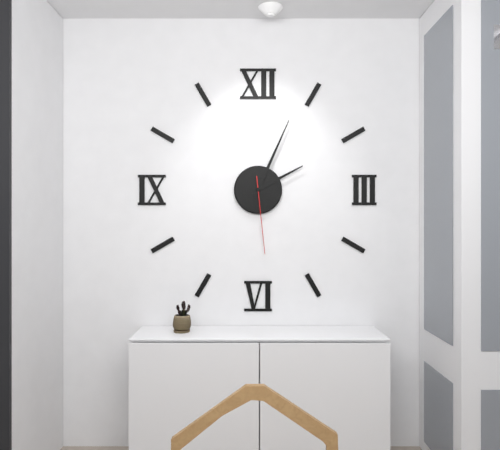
2:04:29
